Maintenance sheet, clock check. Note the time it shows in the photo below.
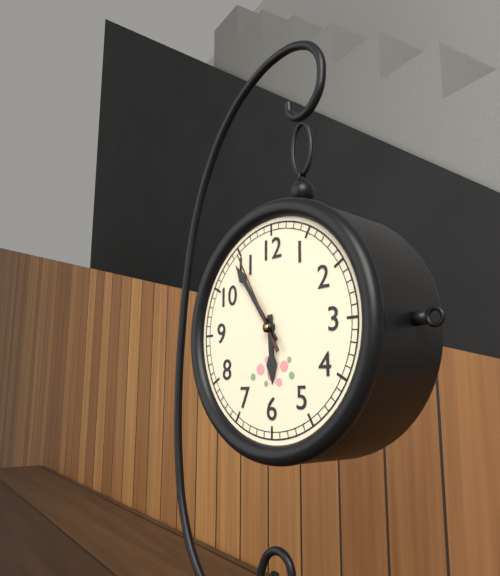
5:54:55
